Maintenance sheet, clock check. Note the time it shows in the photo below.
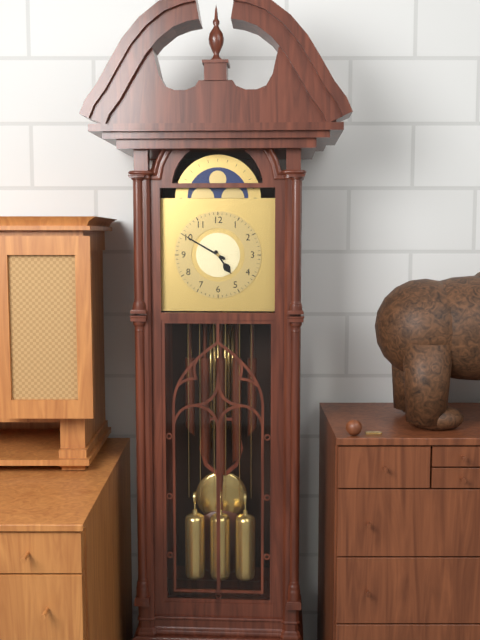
4:50
